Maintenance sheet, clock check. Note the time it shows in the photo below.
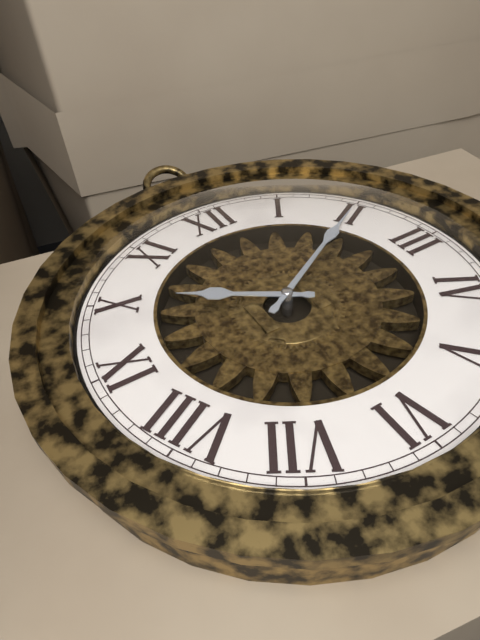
10:10
